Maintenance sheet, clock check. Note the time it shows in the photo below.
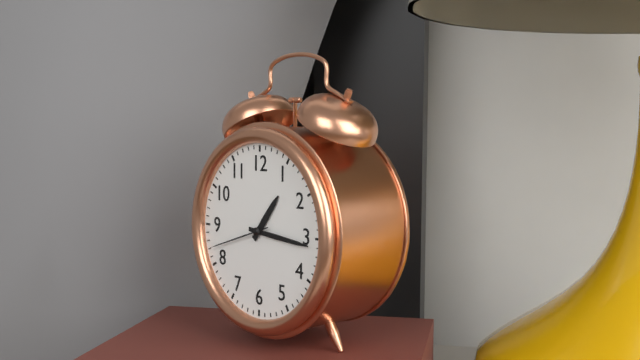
1:16:42
